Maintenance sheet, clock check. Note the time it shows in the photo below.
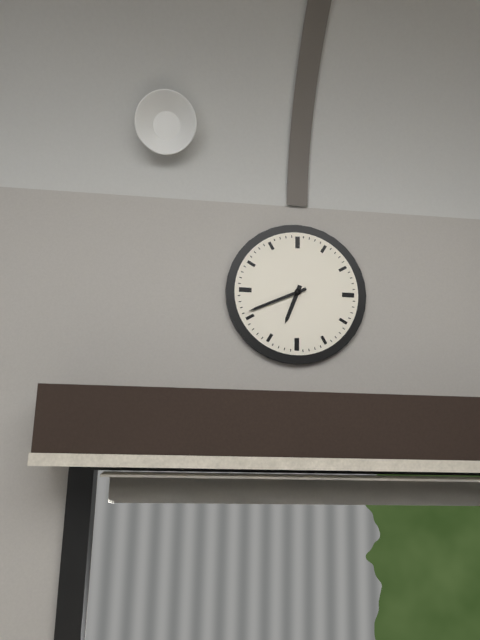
6:41
